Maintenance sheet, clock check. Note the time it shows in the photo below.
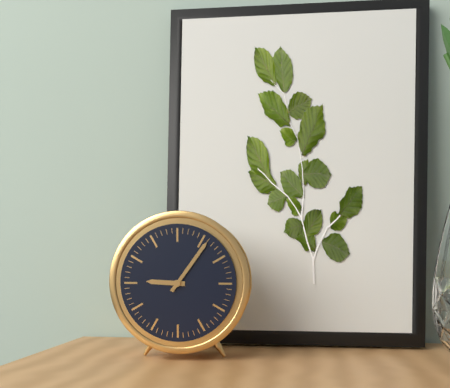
9:06
